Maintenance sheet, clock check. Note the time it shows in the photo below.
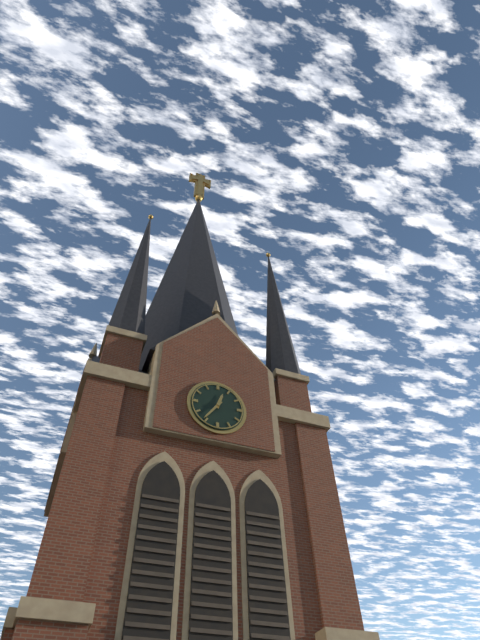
12:36
